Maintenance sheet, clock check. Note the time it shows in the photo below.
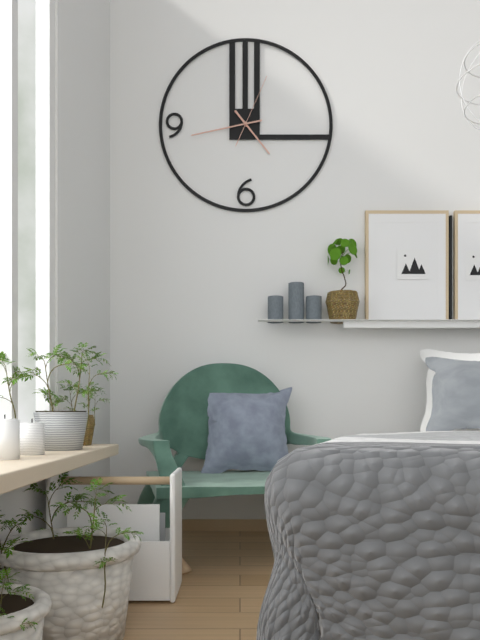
4:43:04
